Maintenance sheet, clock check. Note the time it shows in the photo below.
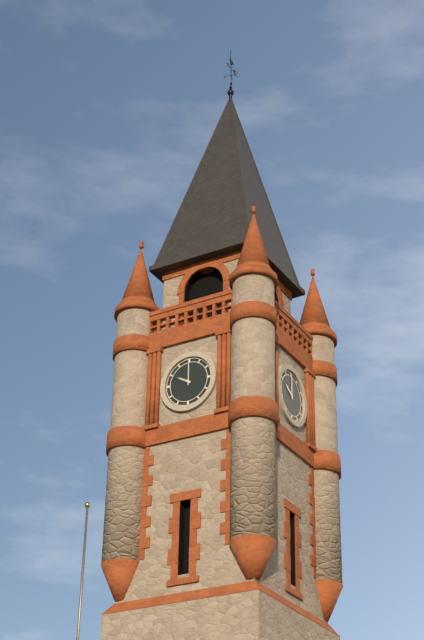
10:00
